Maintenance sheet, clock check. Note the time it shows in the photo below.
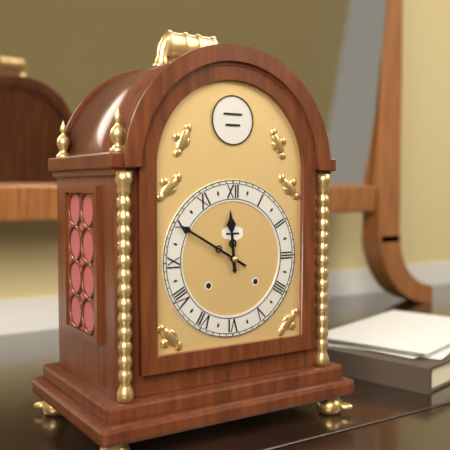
11:50
